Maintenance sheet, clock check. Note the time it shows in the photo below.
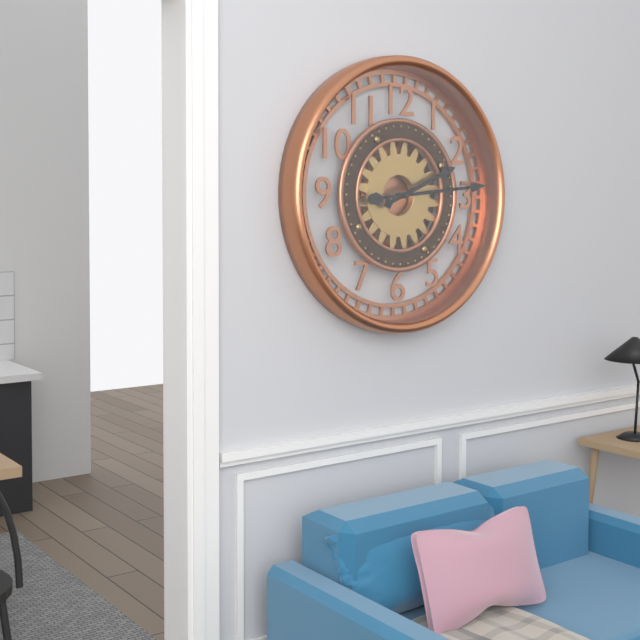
2:14
